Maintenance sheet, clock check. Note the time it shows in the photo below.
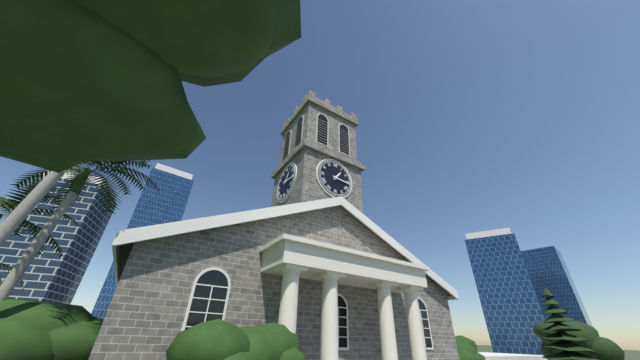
1:16
